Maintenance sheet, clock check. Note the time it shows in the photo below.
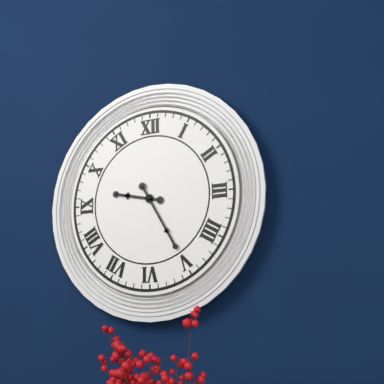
9:25
